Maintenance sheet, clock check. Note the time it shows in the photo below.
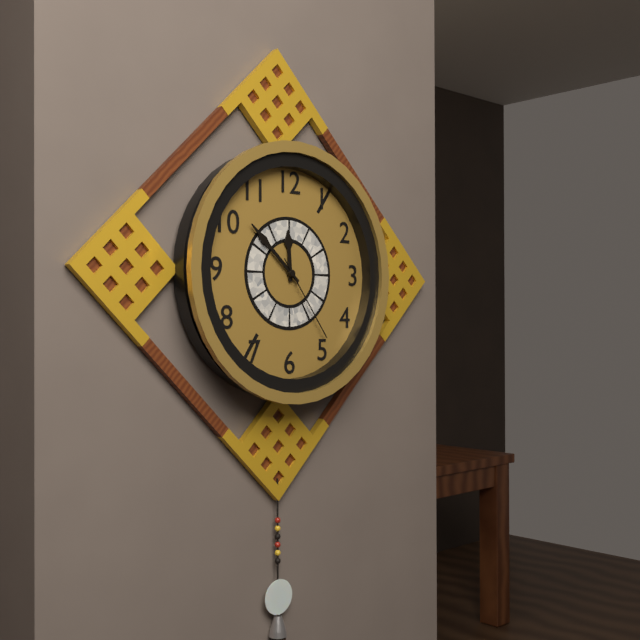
11:52:24
